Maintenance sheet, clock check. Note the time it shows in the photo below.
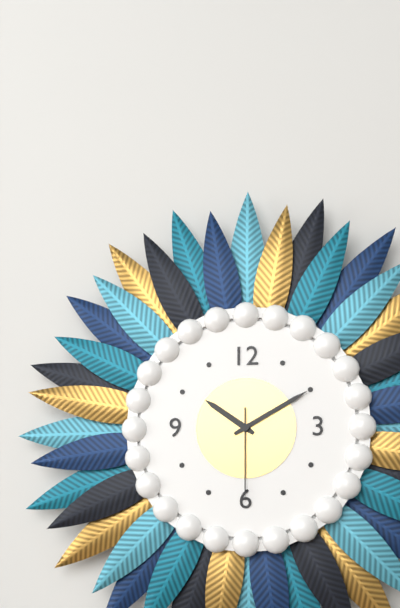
10:10:30
